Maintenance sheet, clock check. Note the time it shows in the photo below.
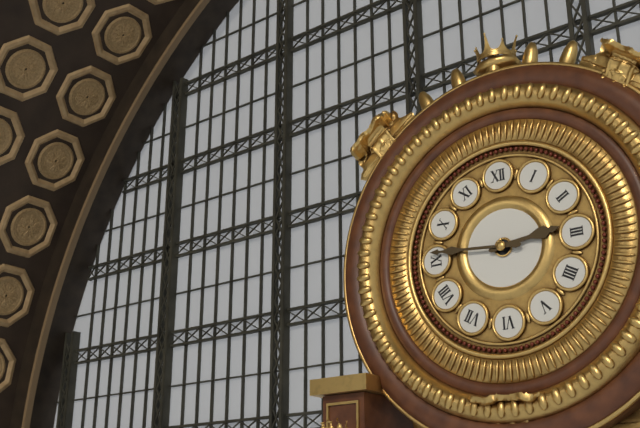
2:46
